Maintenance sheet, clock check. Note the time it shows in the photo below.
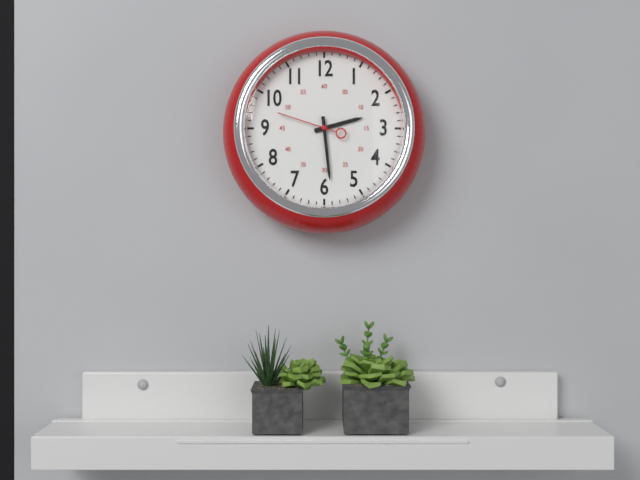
2:29:48
